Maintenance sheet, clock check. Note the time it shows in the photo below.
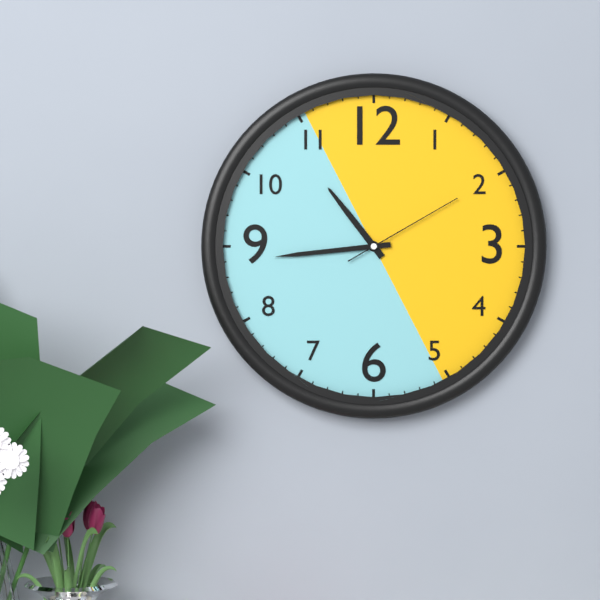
10:44:10
